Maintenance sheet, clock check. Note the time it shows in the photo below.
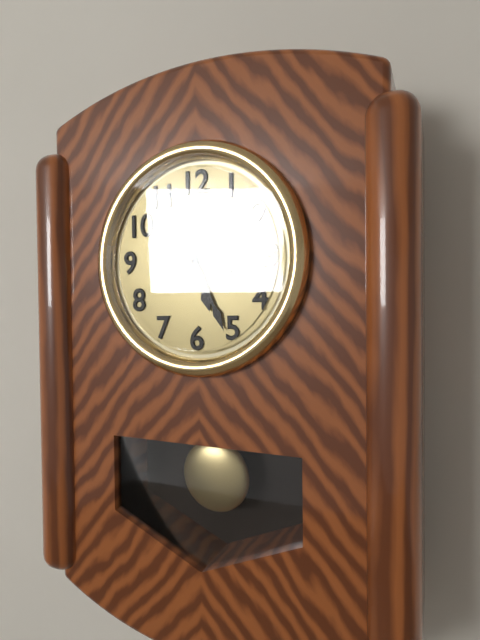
5:26
